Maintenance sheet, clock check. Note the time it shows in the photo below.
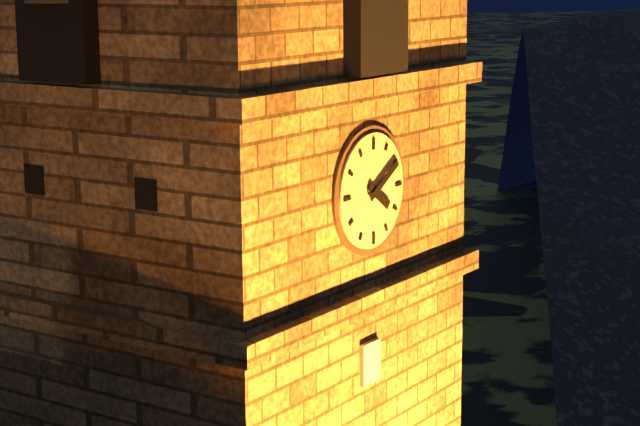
4:10
